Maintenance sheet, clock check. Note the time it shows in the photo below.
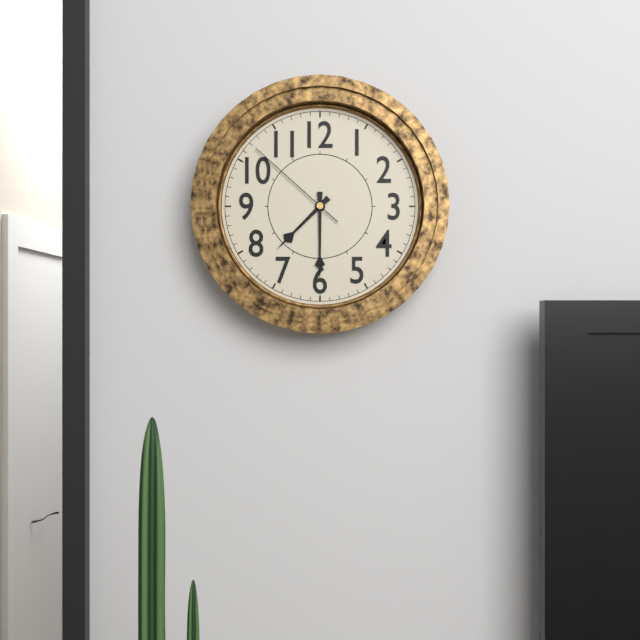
7:30:52
